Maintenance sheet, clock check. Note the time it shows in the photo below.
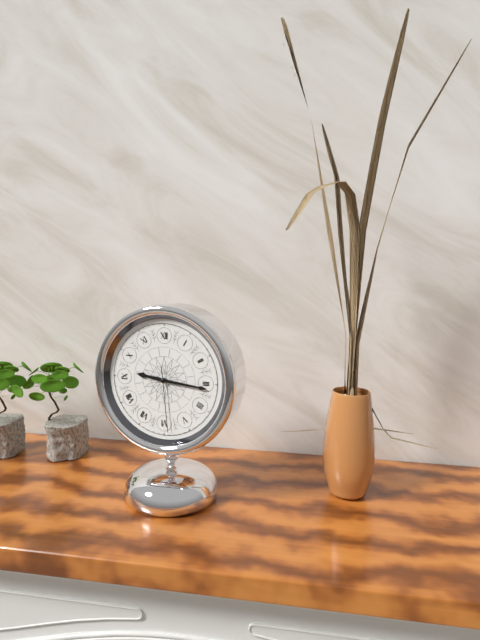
9:16:29
